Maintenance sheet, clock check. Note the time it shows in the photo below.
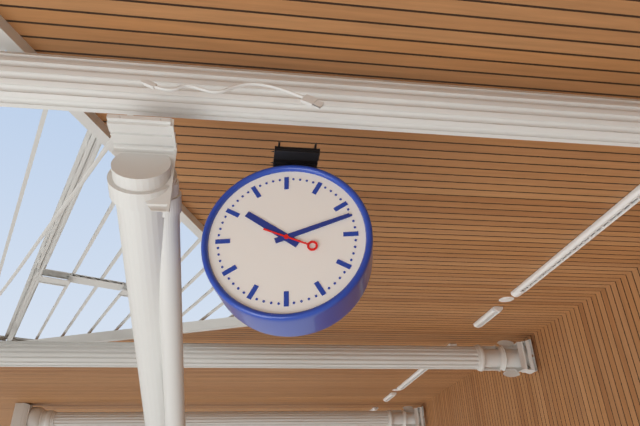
10:12
